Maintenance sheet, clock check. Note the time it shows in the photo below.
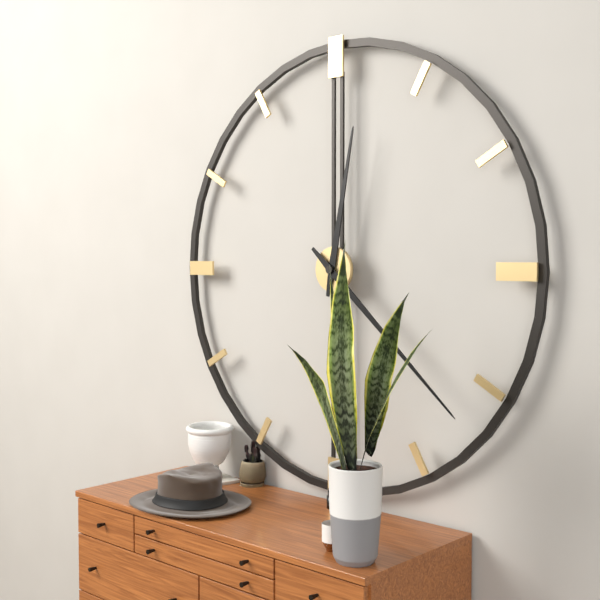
12:22
